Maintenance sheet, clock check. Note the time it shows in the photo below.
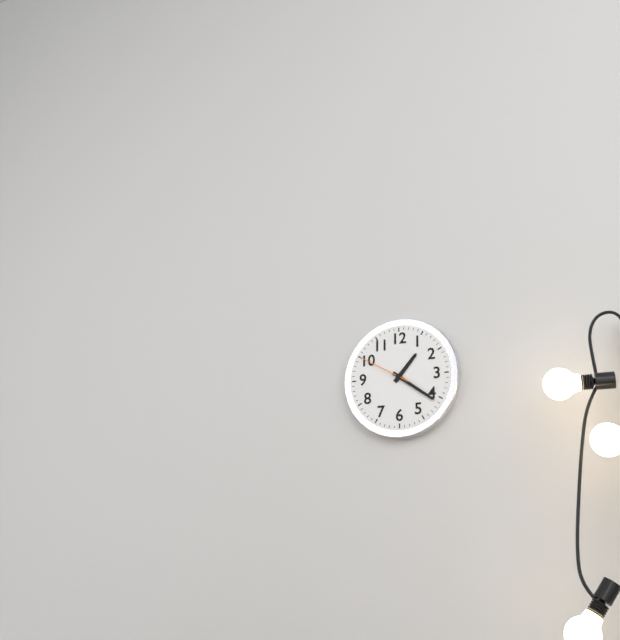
1:21:50
